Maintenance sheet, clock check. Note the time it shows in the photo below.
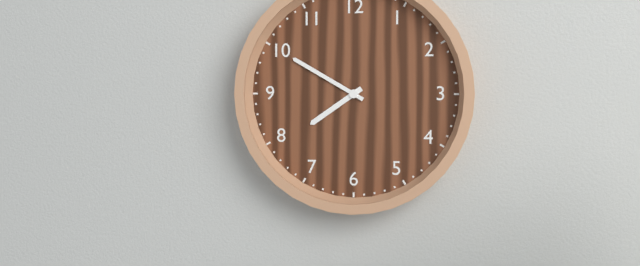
7:50
